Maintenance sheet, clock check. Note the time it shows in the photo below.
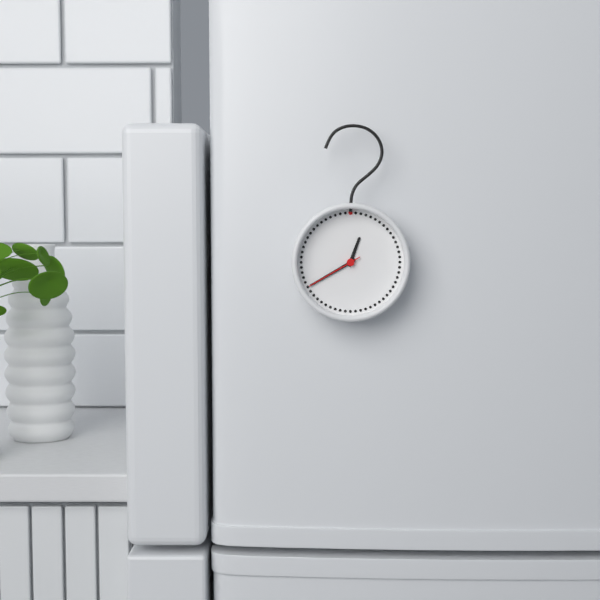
12:40:40
